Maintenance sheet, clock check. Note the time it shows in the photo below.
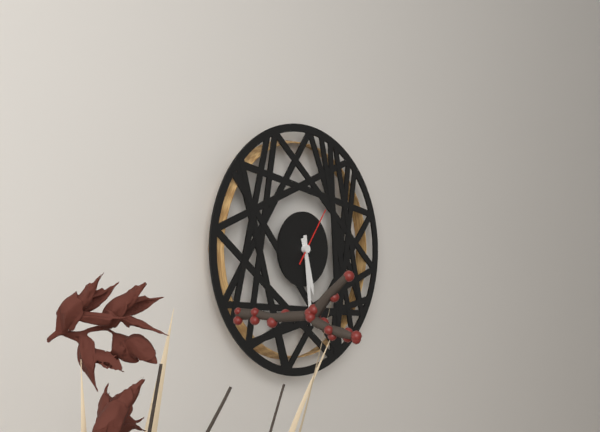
5:29:06
